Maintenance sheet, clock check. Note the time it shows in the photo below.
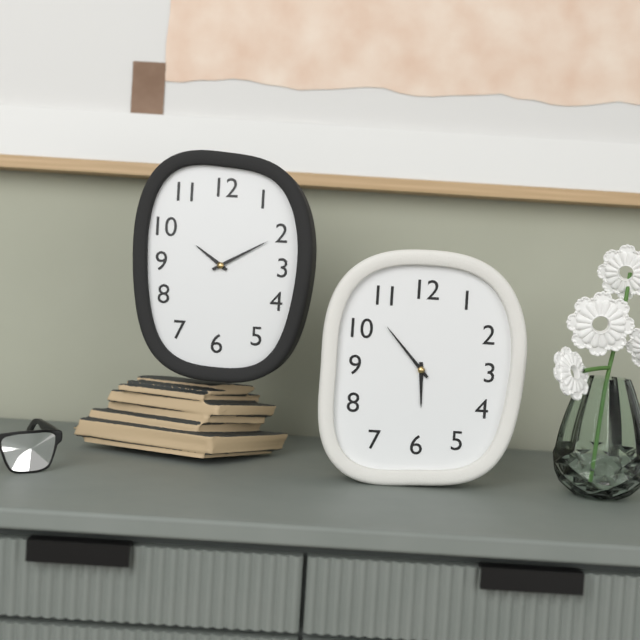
5:53
